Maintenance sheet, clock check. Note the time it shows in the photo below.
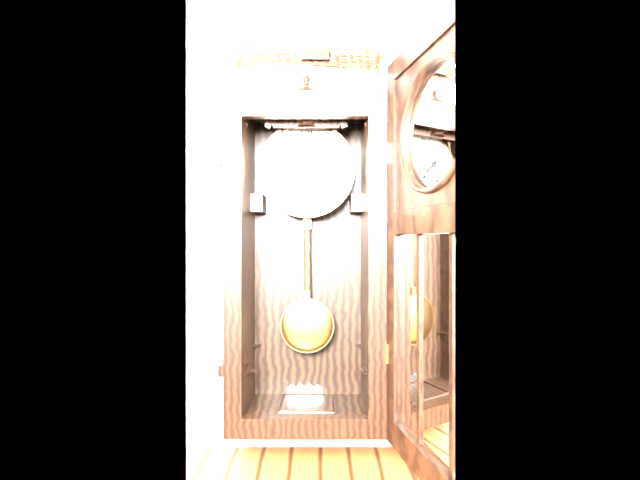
10:26
